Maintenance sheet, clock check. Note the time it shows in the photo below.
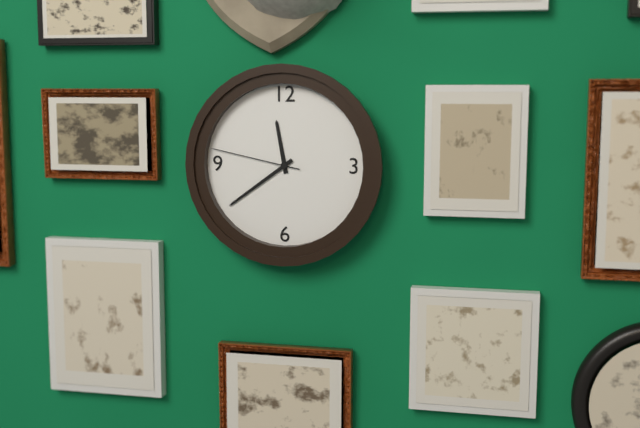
11:39:47
